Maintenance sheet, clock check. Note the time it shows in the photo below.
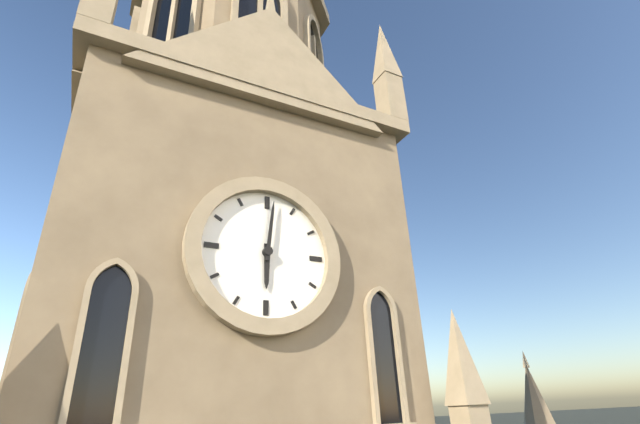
6:01
